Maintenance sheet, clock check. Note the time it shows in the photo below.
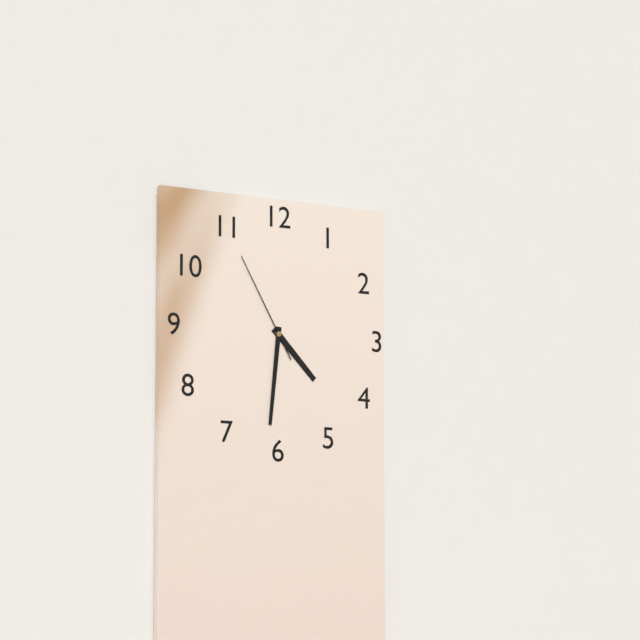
4:31:55
